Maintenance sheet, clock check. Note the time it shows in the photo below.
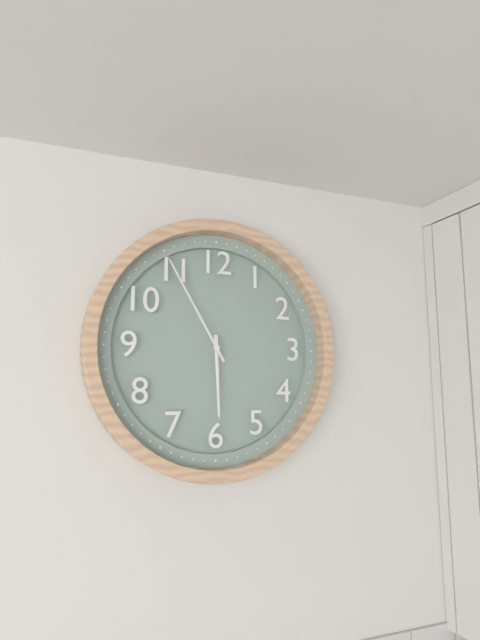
5:55
